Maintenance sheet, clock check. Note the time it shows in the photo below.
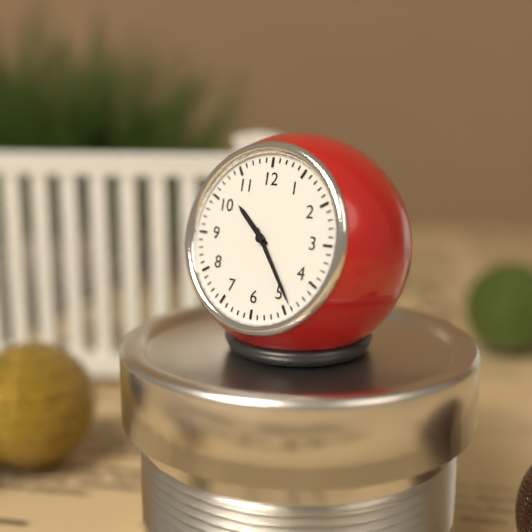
10:24
